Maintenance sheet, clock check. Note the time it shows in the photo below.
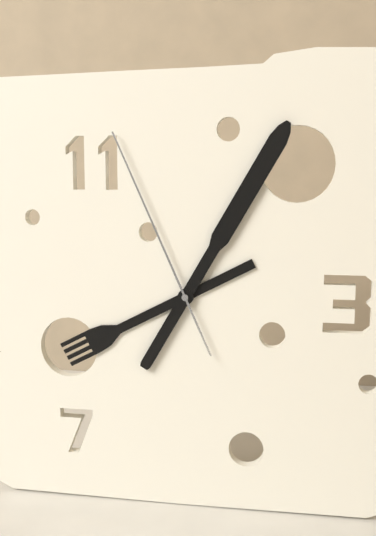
8:05:56
